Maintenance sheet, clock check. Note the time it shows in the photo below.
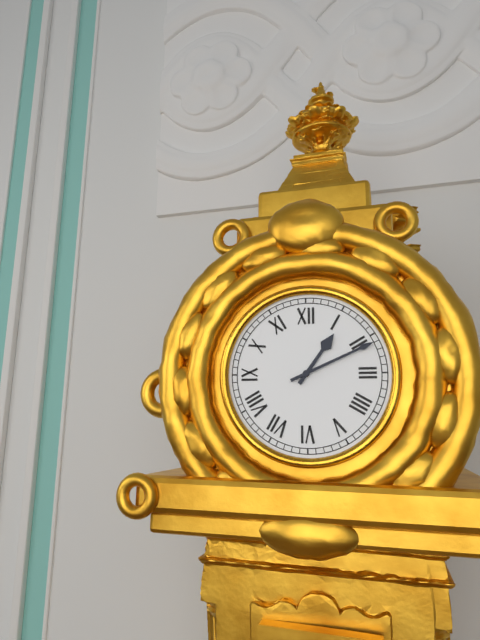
1:11
